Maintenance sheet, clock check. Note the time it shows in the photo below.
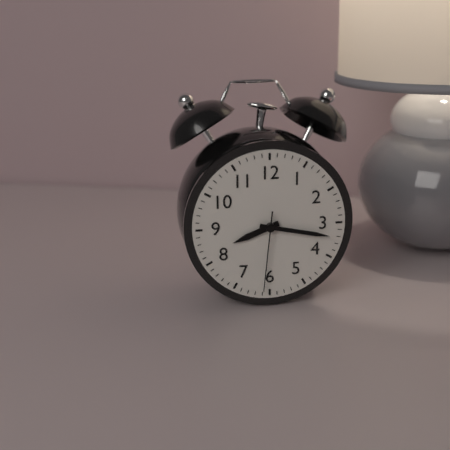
8:17:31
